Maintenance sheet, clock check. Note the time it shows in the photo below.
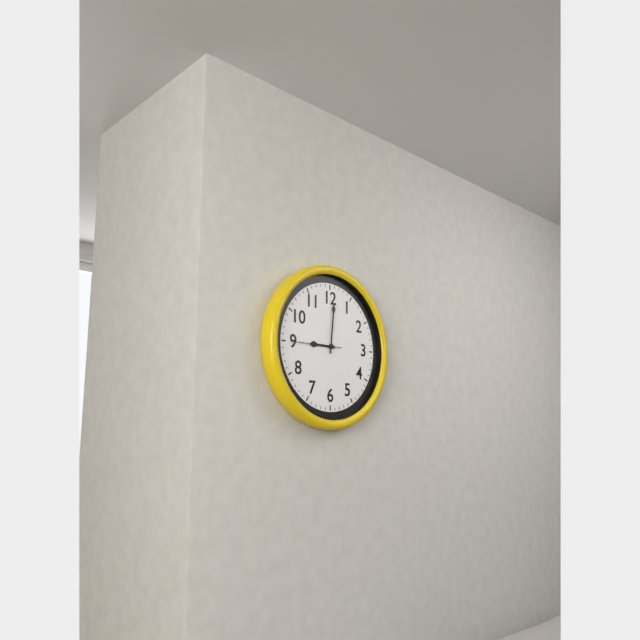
9:01
